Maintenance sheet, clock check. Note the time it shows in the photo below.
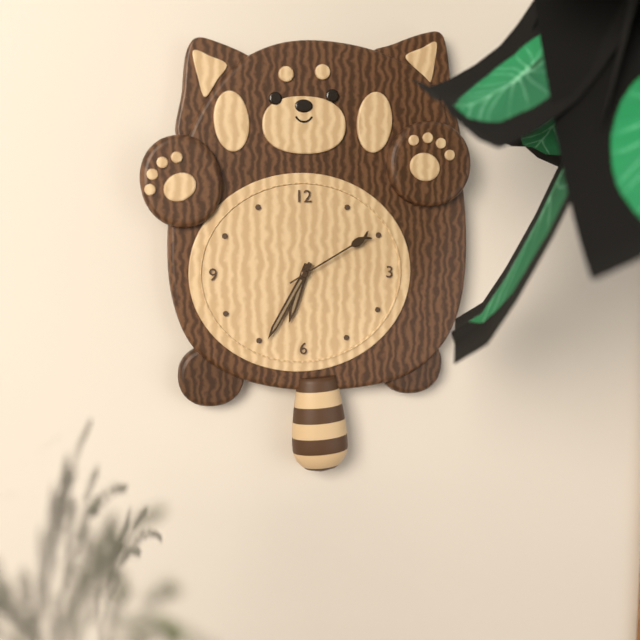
6:35:10
